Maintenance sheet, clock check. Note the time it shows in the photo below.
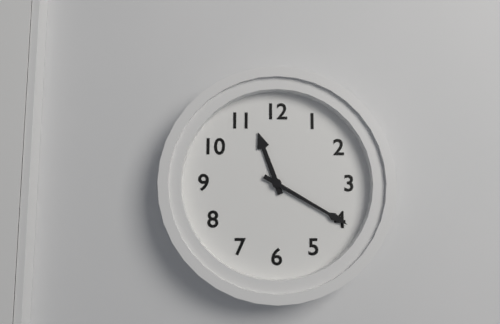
11:20
